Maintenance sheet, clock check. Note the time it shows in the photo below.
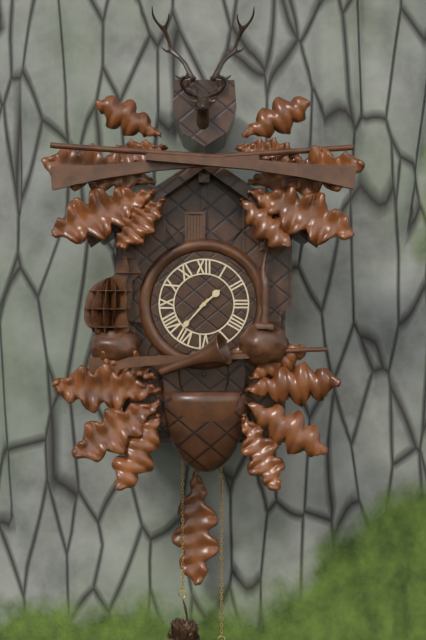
1:37
